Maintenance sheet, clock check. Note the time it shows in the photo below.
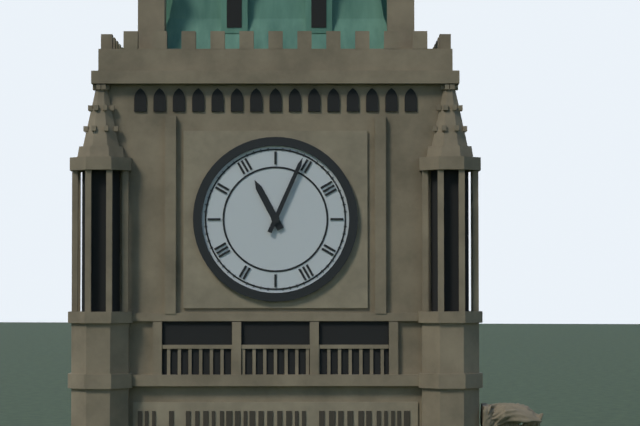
11:04
